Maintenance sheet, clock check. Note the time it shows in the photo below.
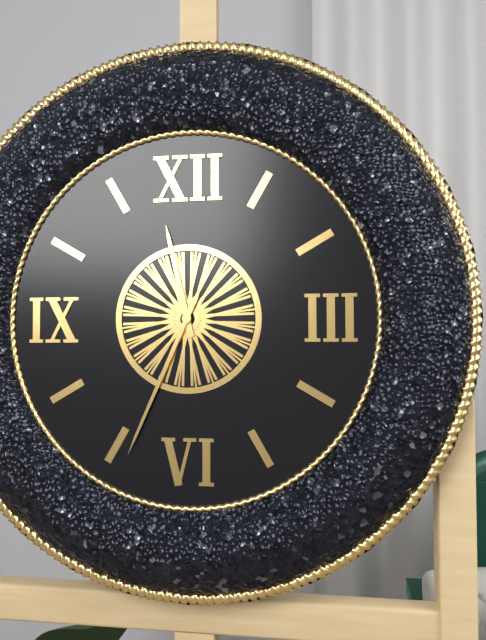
11:34
